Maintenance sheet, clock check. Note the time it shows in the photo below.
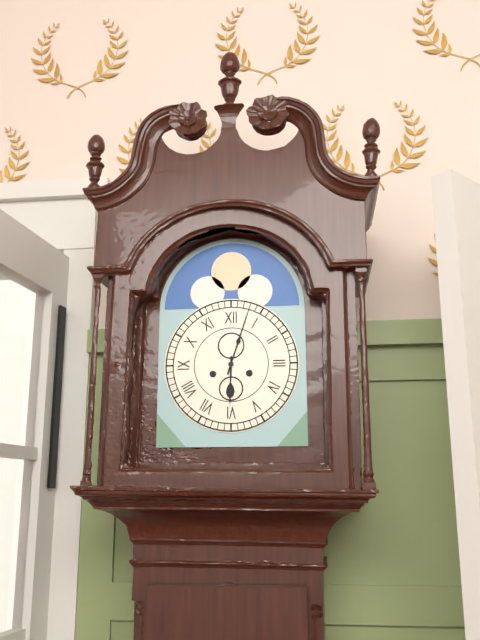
6:03
